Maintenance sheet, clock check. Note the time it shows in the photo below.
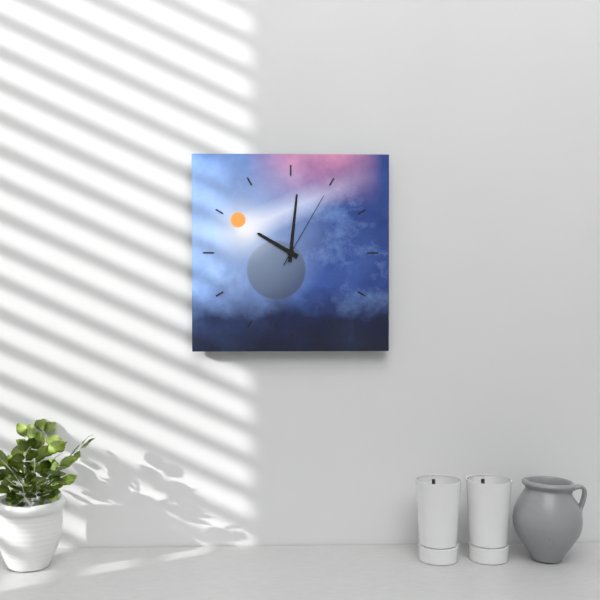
10:01:05
